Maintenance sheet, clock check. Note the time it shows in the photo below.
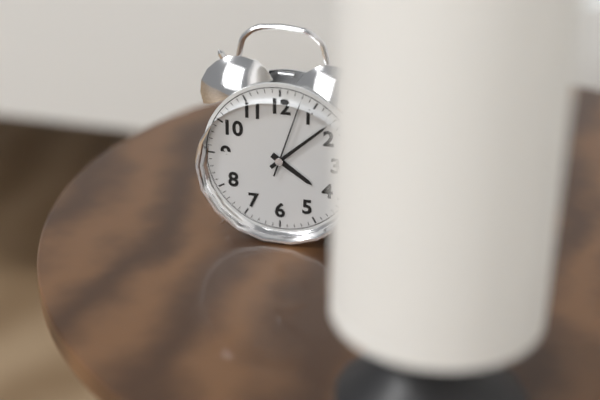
4:08:03
